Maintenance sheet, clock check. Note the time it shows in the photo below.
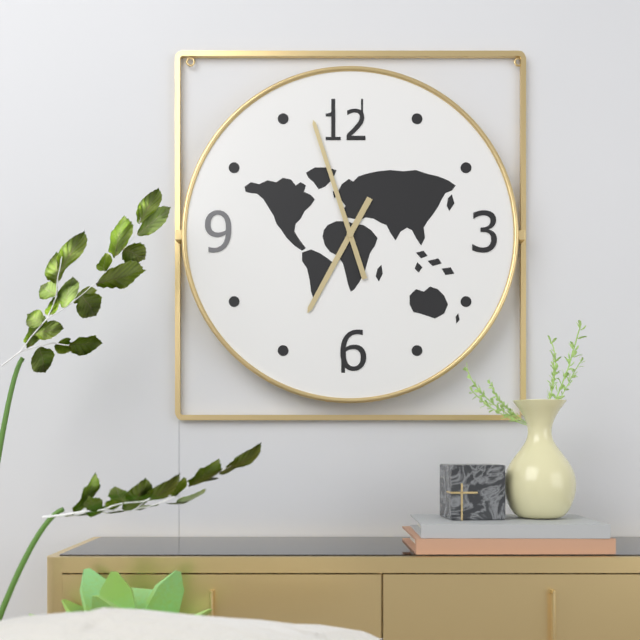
6:57
